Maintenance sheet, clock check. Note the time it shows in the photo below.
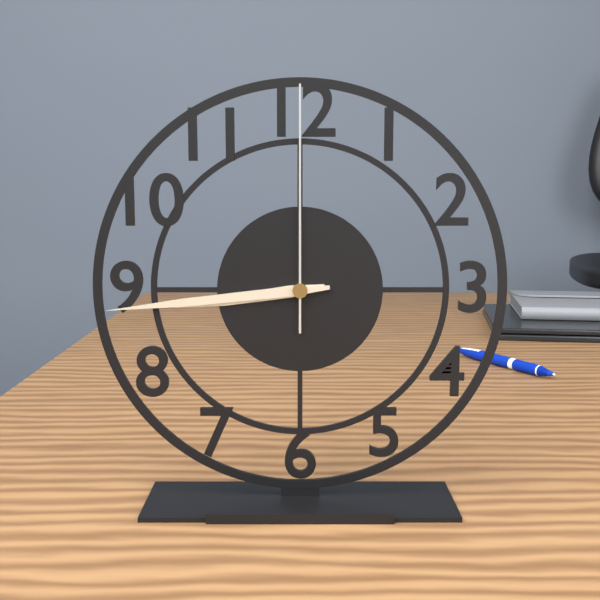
8:44:00
